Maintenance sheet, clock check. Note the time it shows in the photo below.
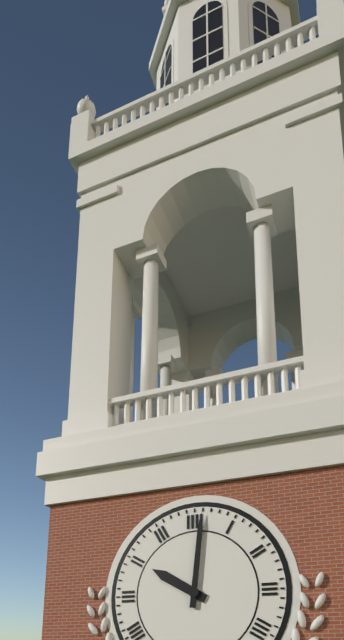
10:01
